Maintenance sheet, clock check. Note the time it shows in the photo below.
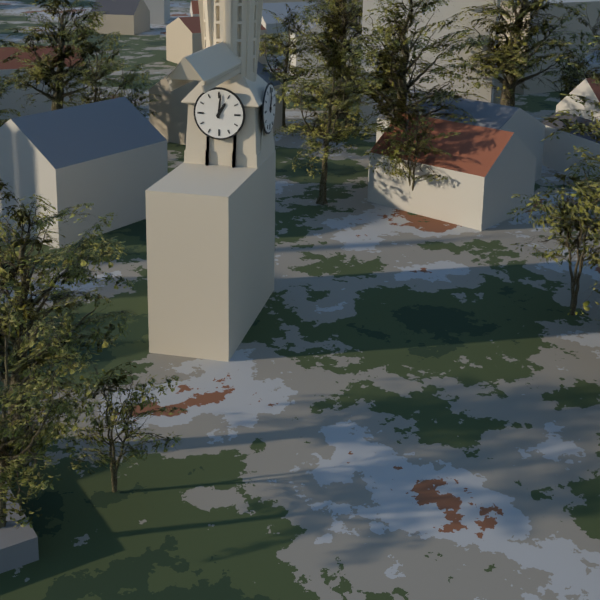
1:01
